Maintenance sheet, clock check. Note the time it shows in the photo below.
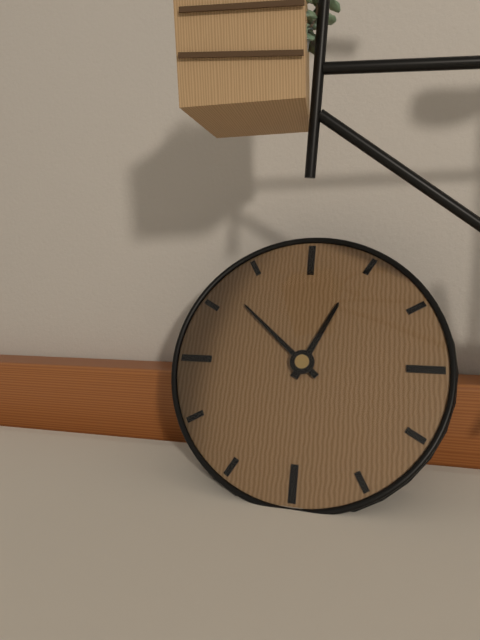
12:52
